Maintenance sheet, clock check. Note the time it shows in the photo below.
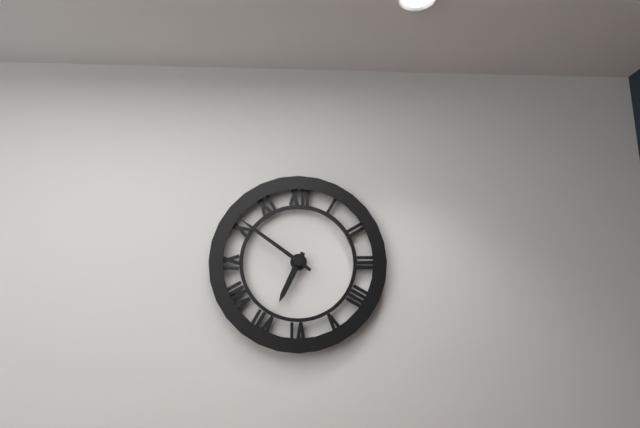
6:51
